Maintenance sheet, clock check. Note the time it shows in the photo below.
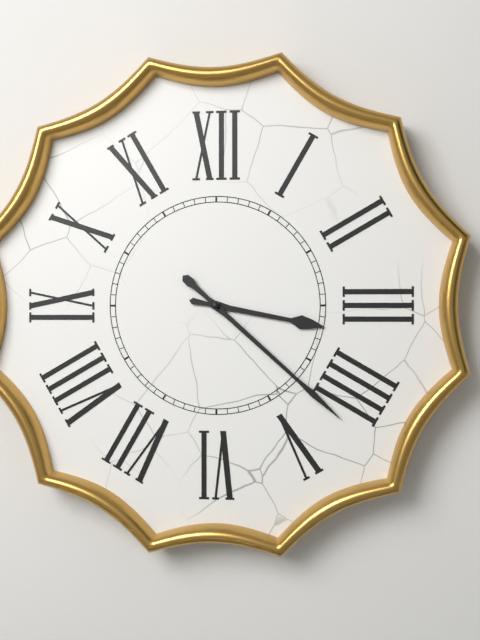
3:22
